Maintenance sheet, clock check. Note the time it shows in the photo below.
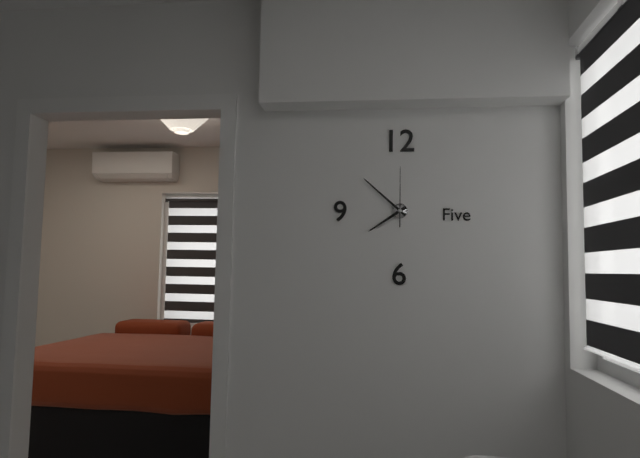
7:52:00
